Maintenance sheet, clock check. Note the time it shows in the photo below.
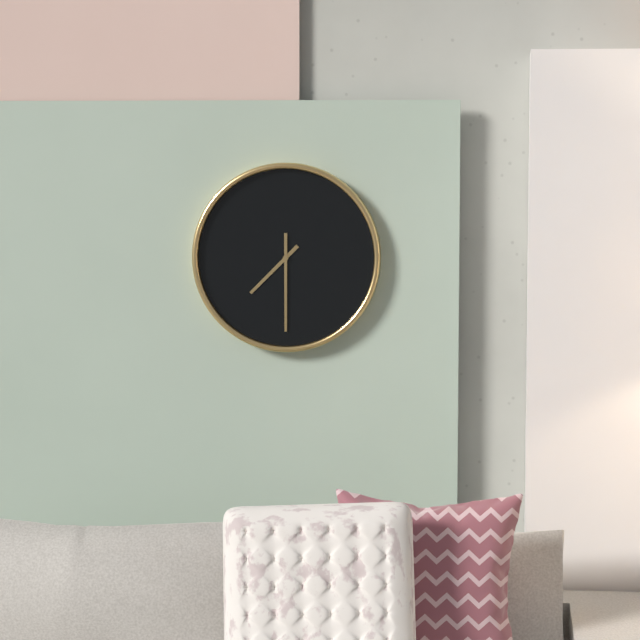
7:30
